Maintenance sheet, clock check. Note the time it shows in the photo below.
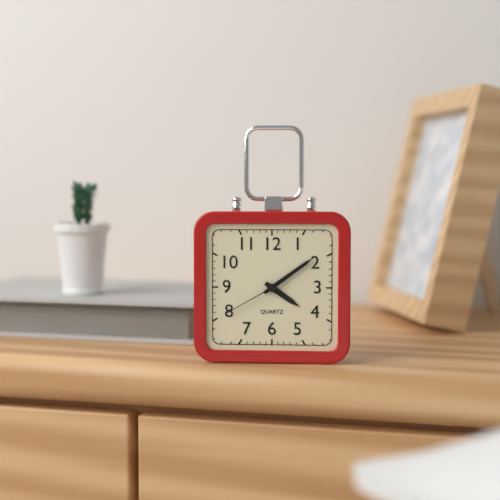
4:09:40
